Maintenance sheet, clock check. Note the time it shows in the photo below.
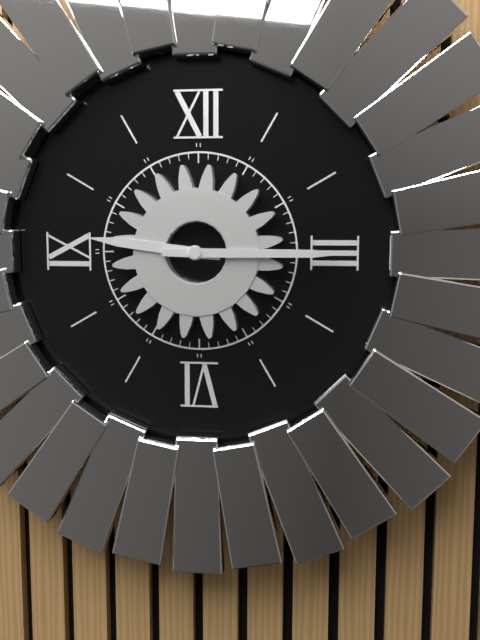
9:15
